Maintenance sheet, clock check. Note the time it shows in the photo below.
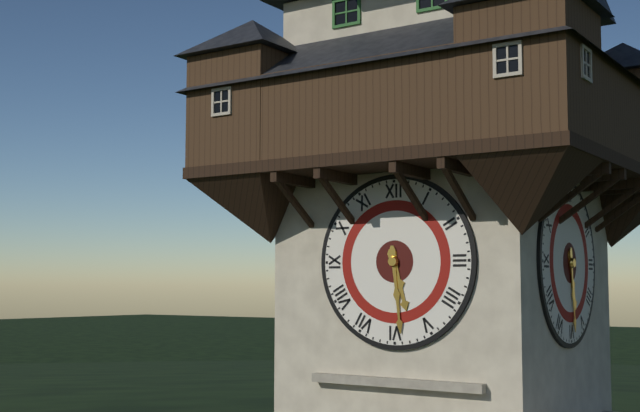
5:29
